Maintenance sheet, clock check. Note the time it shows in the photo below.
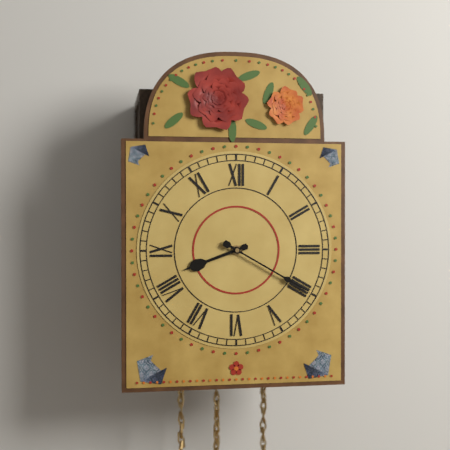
8:20
